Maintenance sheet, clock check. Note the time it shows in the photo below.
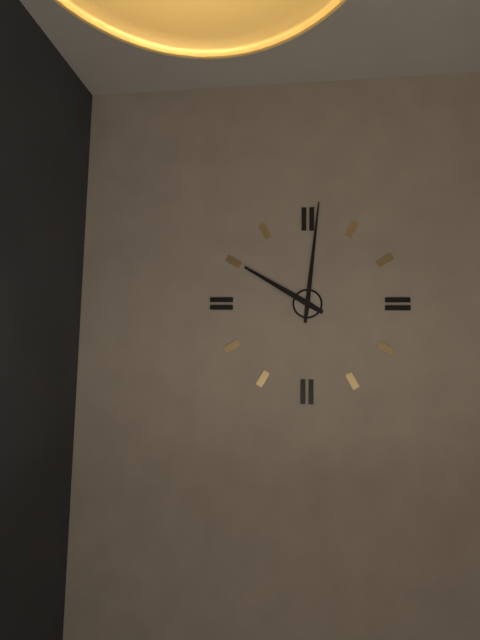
10:01
